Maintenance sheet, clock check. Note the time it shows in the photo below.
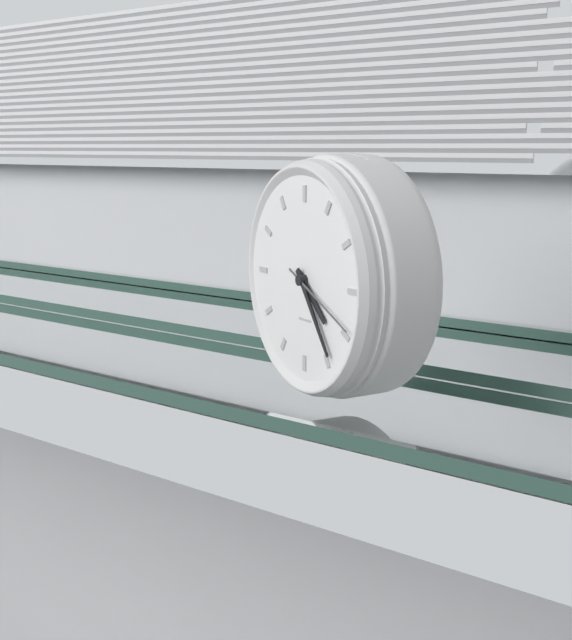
4:24:19
